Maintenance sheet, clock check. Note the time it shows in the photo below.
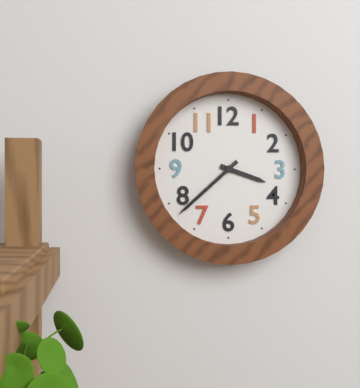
3:38
